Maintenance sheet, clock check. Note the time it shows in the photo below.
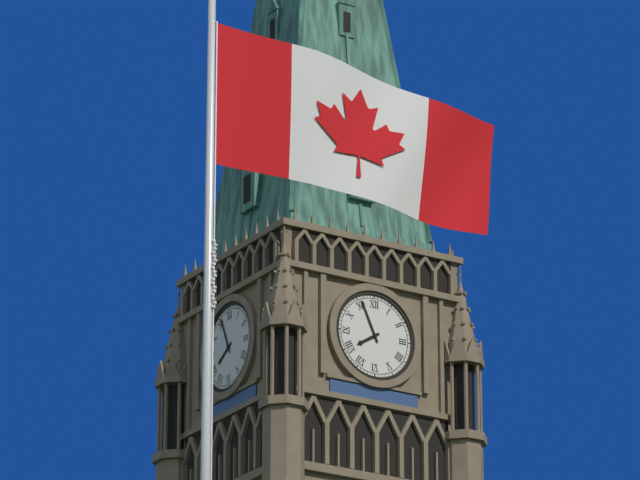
7:56
